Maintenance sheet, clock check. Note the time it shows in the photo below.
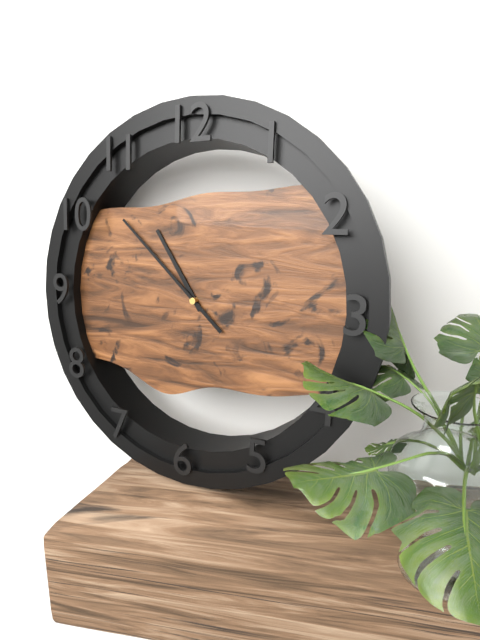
10:52
